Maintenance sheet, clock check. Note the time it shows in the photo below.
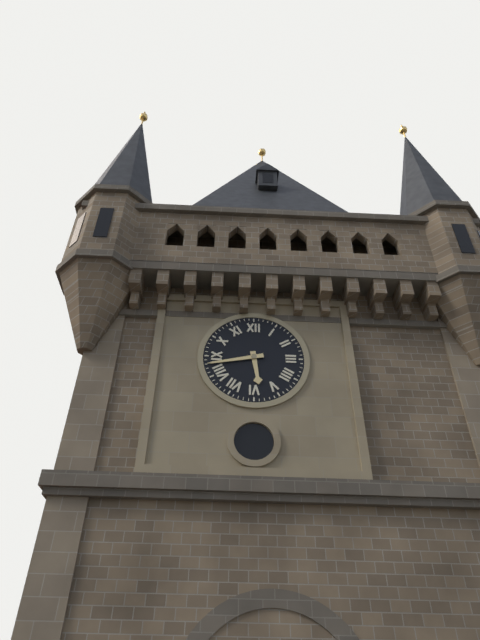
5:43
